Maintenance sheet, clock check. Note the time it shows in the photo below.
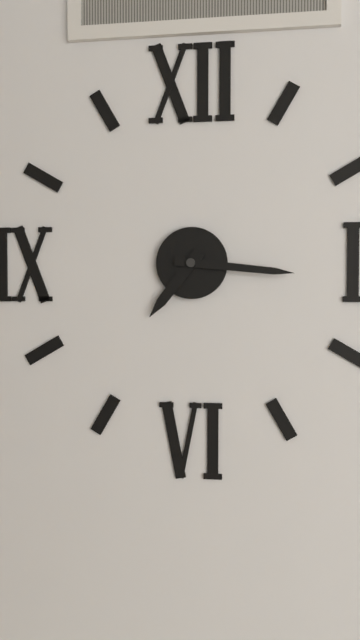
7:16
